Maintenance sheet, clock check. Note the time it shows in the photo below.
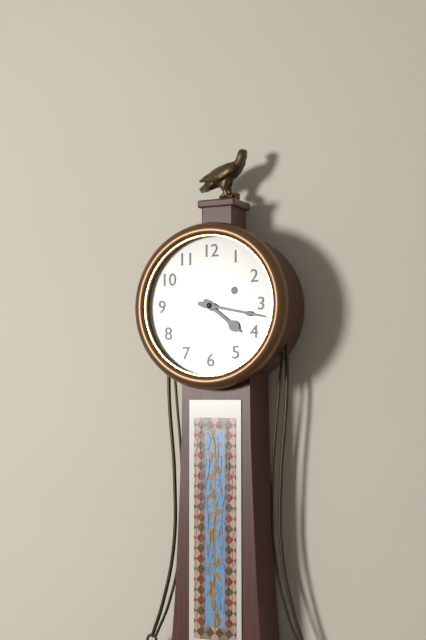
4:17
